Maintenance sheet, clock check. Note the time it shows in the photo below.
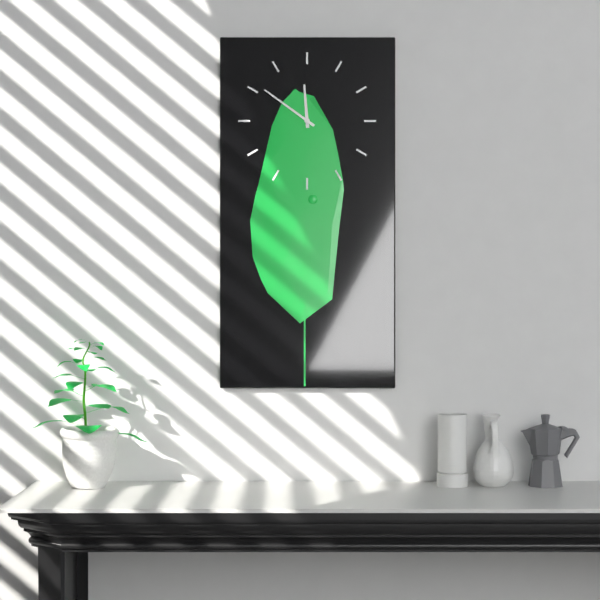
11:51
